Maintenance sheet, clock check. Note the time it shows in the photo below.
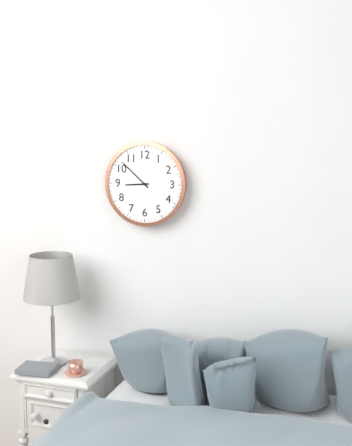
8:52
